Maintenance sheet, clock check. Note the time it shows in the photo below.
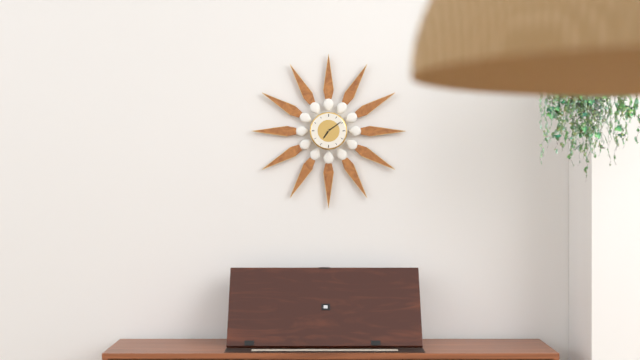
7:09
